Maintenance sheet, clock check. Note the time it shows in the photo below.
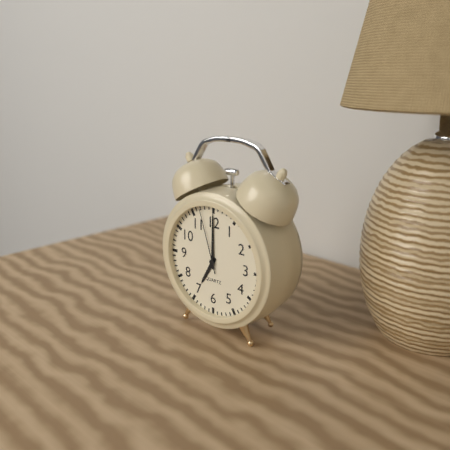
7:00:57
